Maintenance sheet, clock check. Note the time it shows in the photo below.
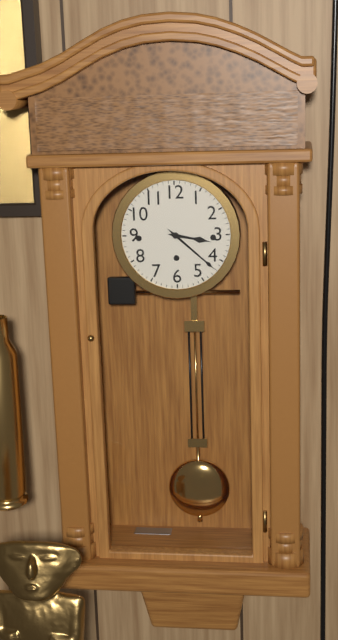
3:22
